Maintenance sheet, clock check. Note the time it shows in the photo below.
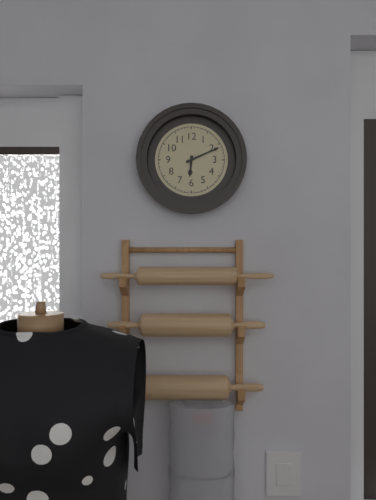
6:11
